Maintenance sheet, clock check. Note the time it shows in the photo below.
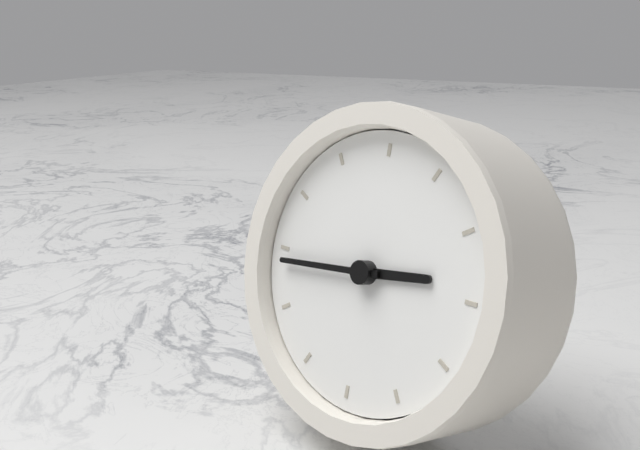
2:44
